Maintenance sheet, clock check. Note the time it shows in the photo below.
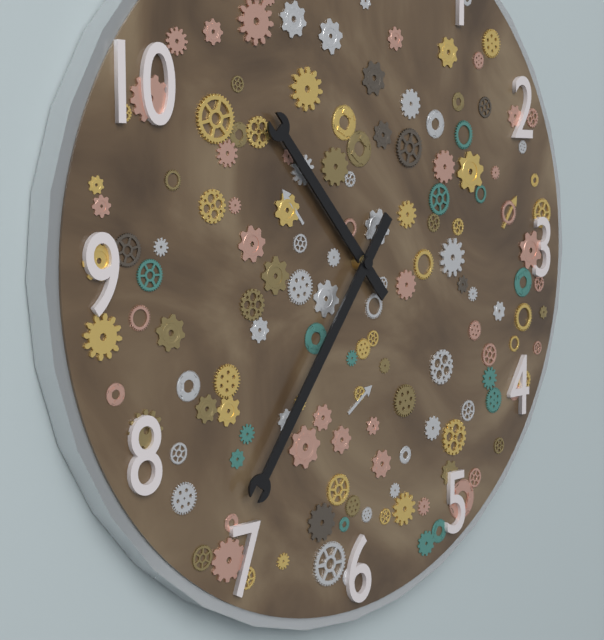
10:36
